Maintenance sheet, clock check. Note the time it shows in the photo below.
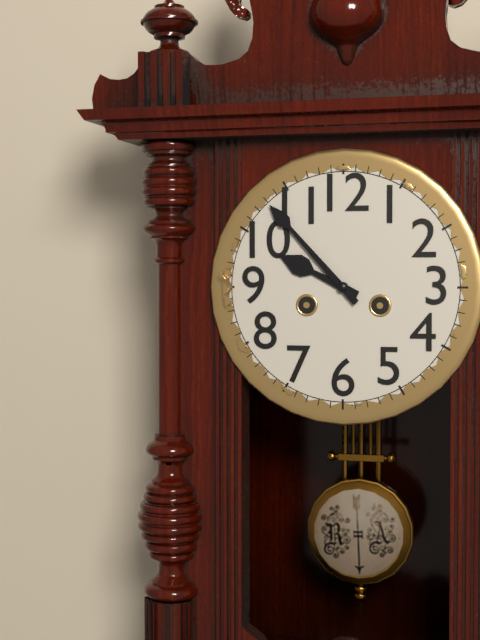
9:53
